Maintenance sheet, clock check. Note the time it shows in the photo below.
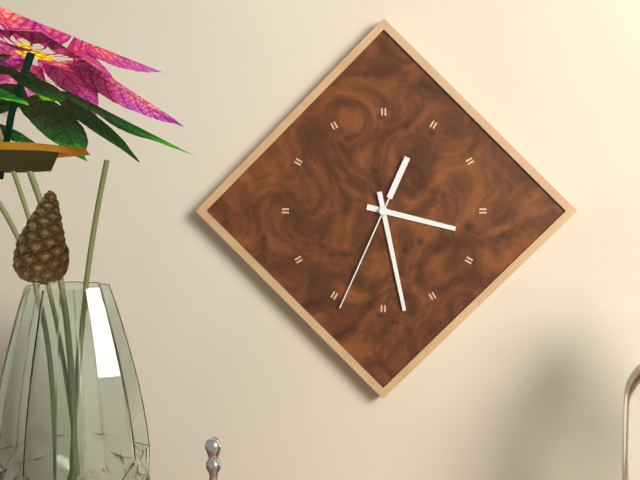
3:28:34
